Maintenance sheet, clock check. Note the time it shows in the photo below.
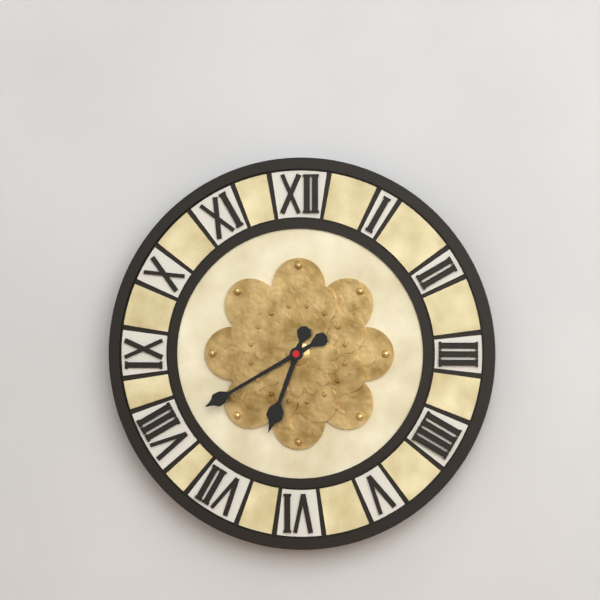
6:40
